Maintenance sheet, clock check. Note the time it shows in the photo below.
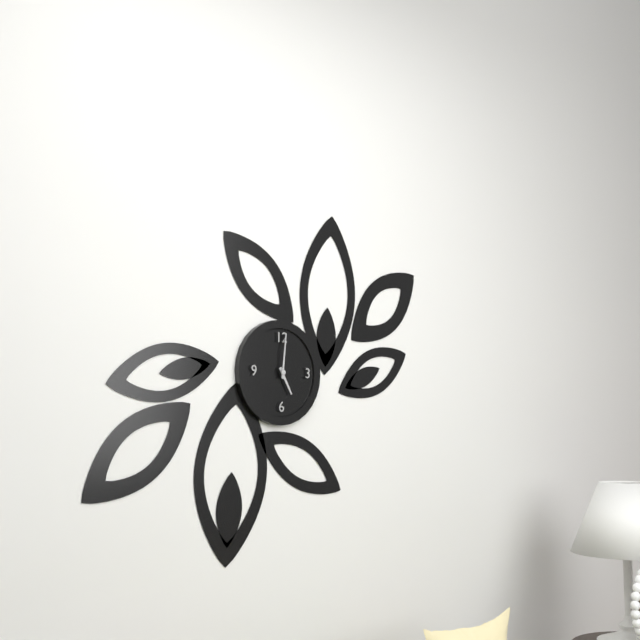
5:01
